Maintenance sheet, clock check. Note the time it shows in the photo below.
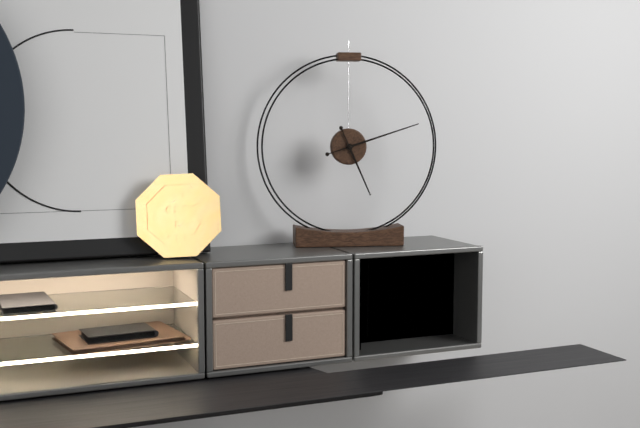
5:12
